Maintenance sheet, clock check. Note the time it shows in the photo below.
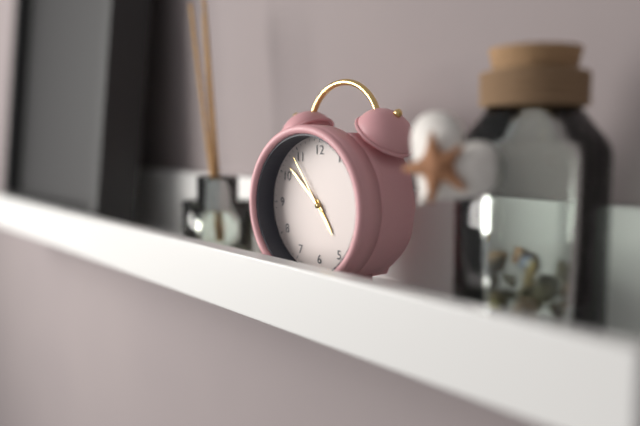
4:52:54
